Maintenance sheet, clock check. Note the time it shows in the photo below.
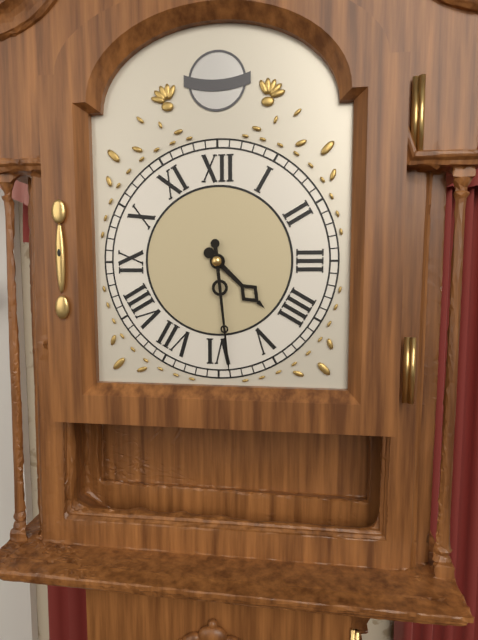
4:29
